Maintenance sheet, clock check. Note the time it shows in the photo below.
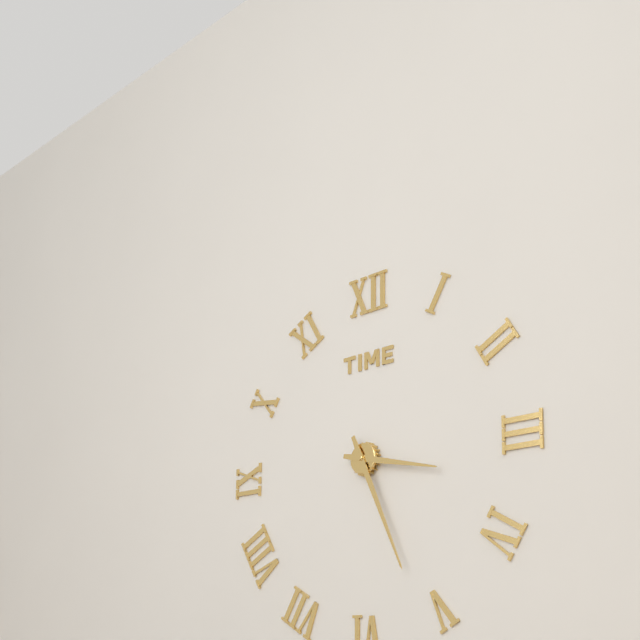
3:26
